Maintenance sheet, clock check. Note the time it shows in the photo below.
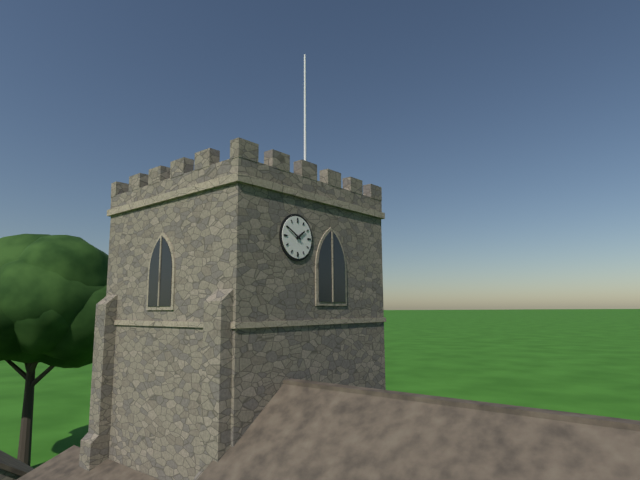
1:50
